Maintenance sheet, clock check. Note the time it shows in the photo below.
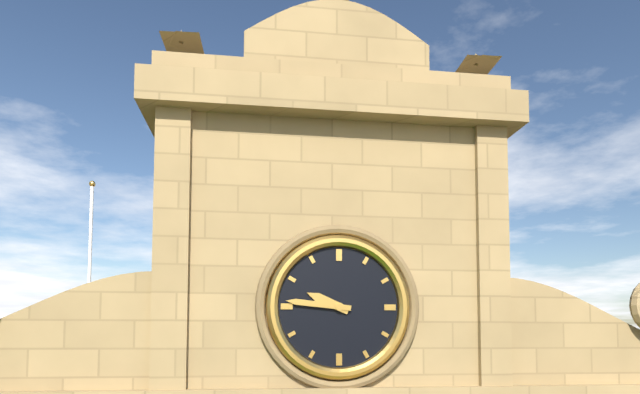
9:46
